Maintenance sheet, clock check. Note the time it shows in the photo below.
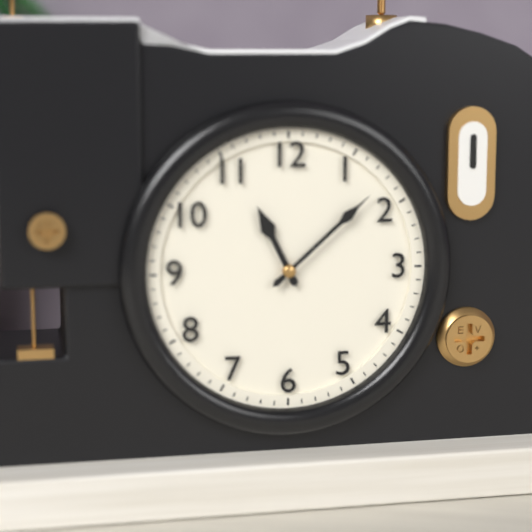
11:08
